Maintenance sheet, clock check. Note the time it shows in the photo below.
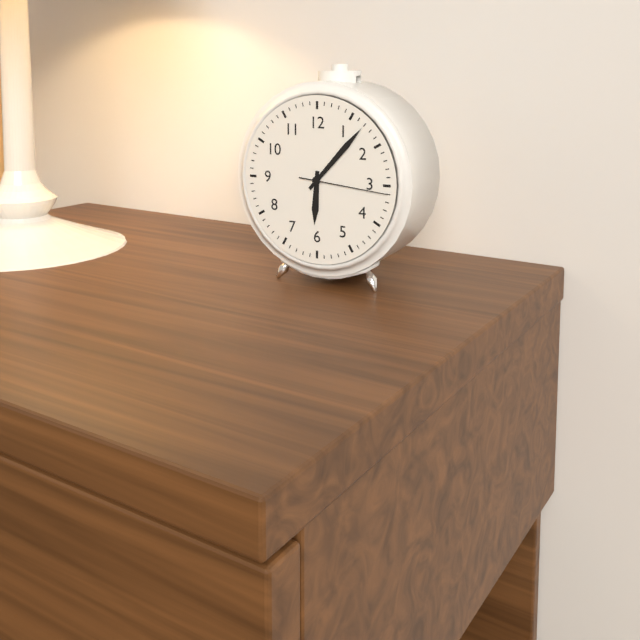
6:07:16
